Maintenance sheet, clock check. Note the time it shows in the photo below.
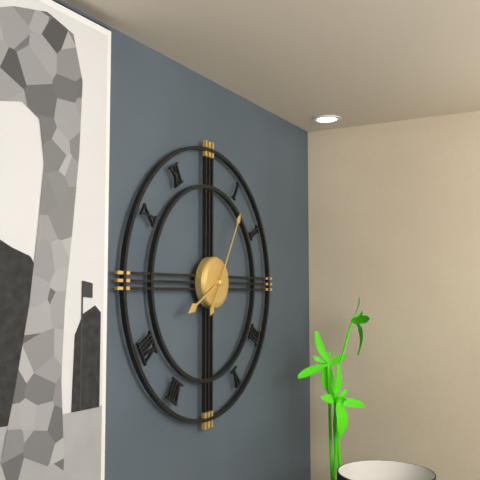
8:05
